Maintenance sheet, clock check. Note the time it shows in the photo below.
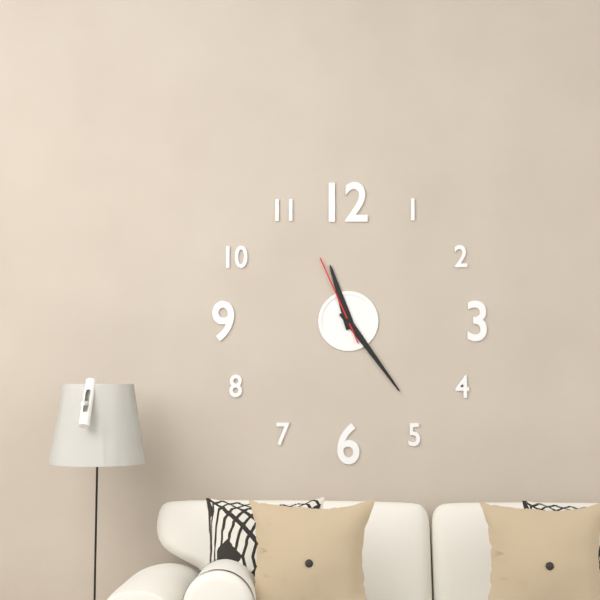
11:24:56
